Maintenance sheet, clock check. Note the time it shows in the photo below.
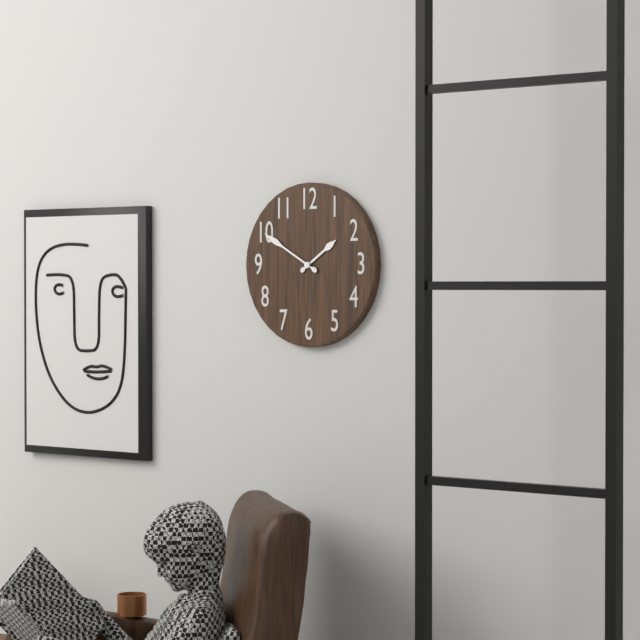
1:50
